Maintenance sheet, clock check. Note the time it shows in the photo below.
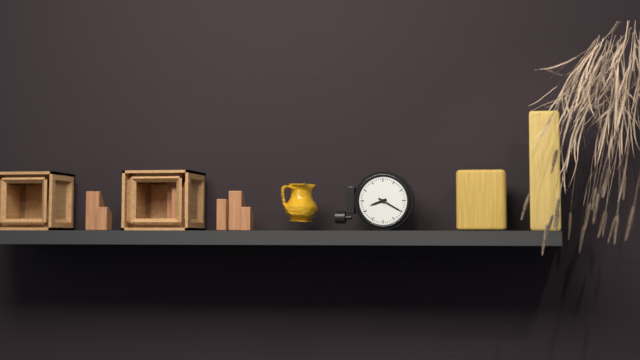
8:20
